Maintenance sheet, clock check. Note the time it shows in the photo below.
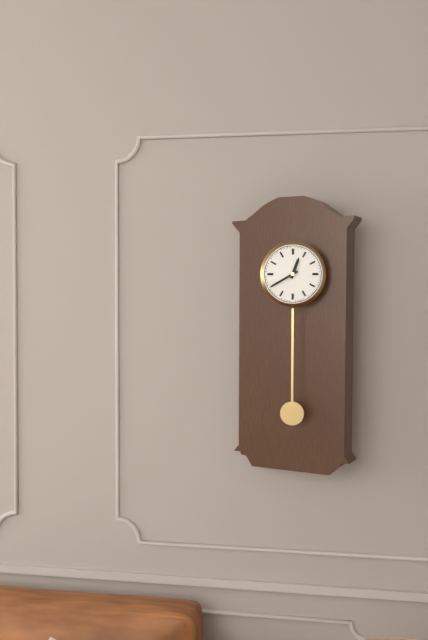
12:40
